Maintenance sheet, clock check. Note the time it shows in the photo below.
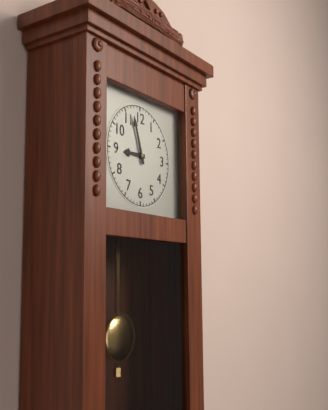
8:57
